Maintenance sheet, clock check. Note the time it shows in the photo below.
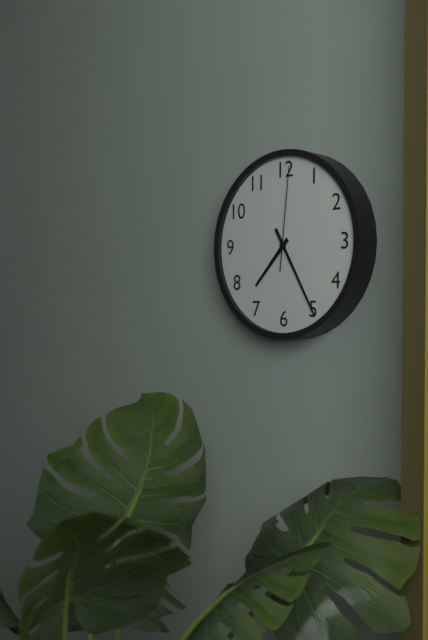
7:25:01
